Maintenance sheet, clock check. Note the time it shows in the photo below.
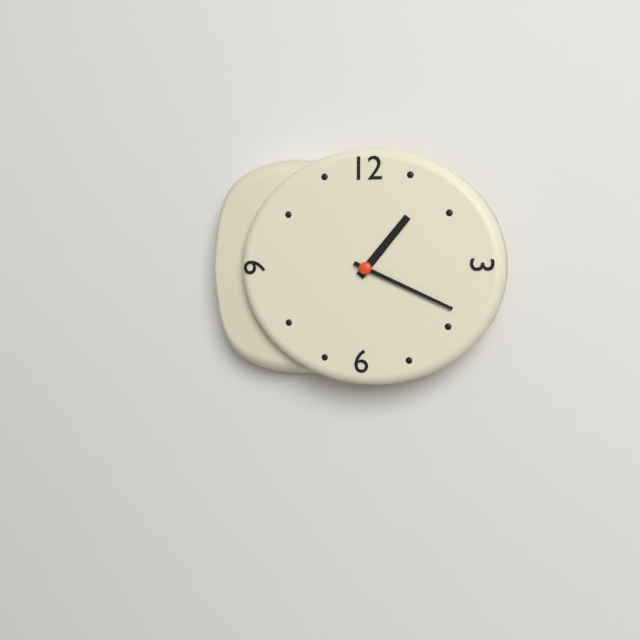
1:19
